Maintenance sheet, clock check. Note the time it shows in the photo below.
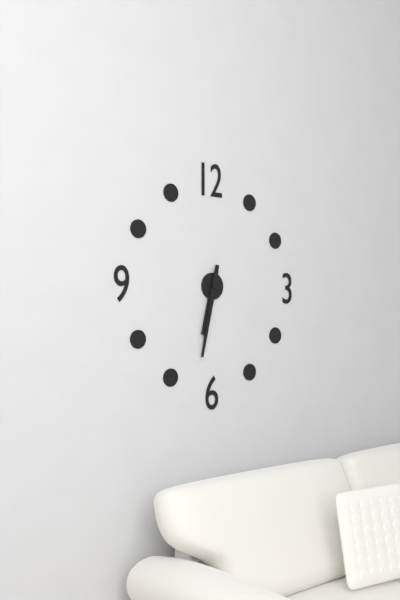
6:32
